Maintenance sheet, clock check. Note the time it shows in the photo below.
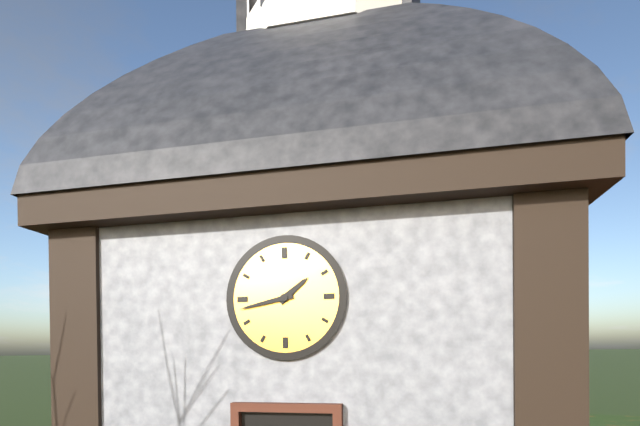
1:43
